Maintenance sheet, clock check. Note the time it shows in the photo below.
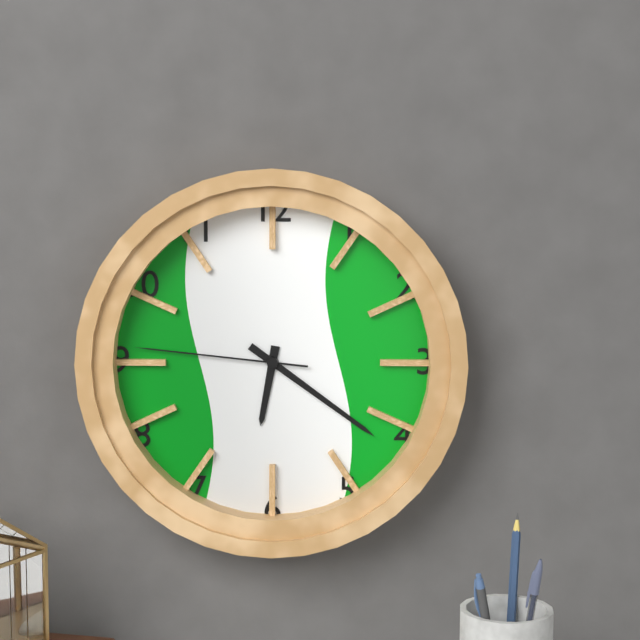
6:21:46
